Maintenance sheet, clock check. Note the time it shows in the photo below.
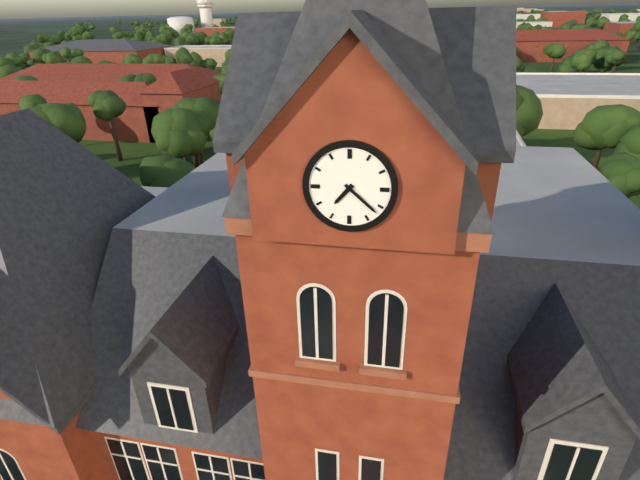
7:22
